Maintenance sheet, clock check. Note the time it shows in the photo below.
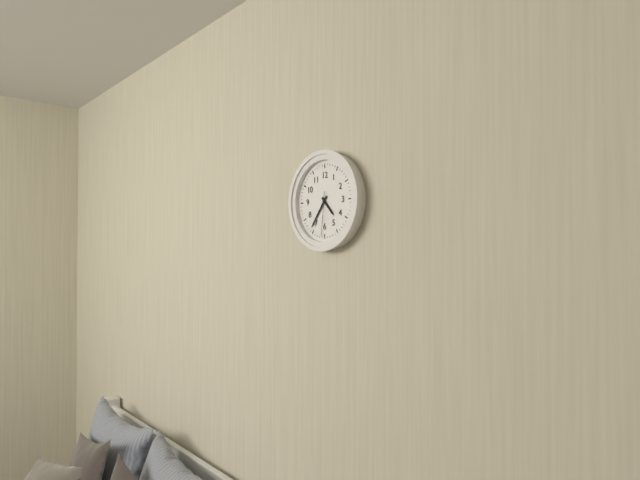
4:36
